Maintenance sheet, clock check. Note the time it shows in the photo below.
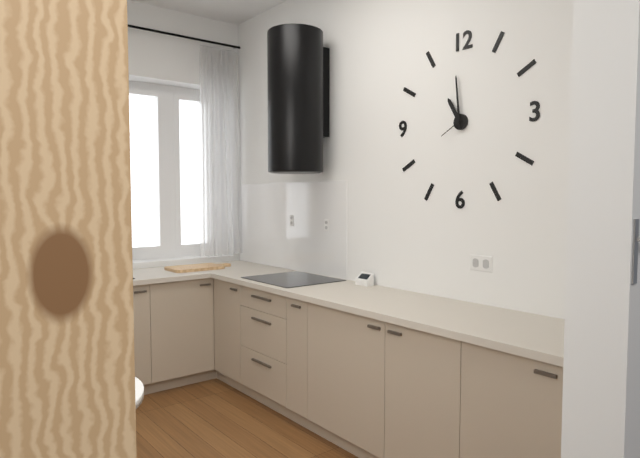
10:59
